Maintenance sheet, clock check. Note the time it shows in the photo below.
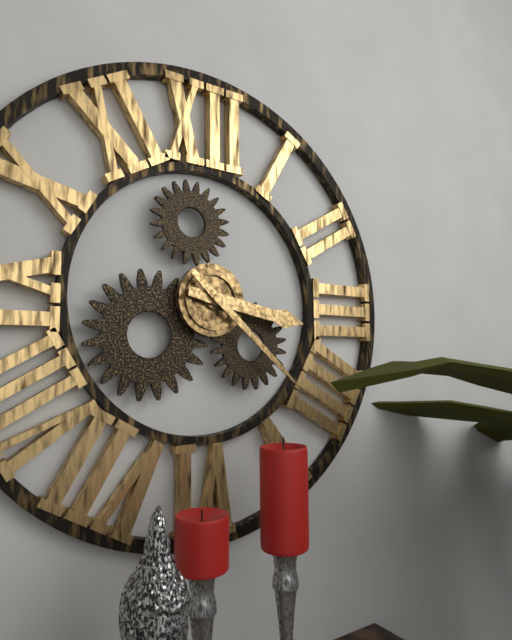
3:22
